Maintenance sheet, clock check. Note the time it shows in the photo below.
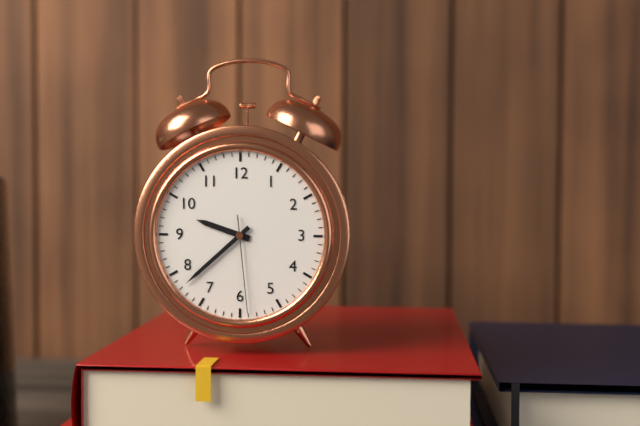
9:38:29
